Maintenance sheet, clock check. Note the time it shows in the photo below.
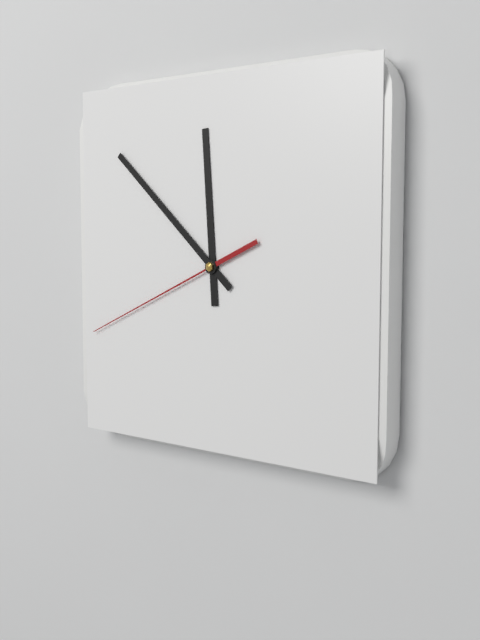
11:52:41
